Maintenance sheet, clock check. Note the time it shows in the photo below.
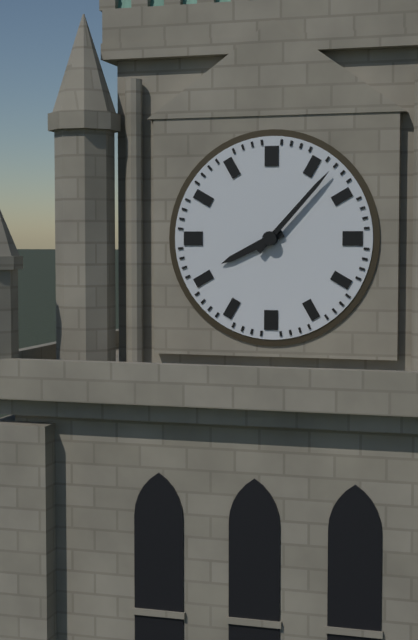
8:07
